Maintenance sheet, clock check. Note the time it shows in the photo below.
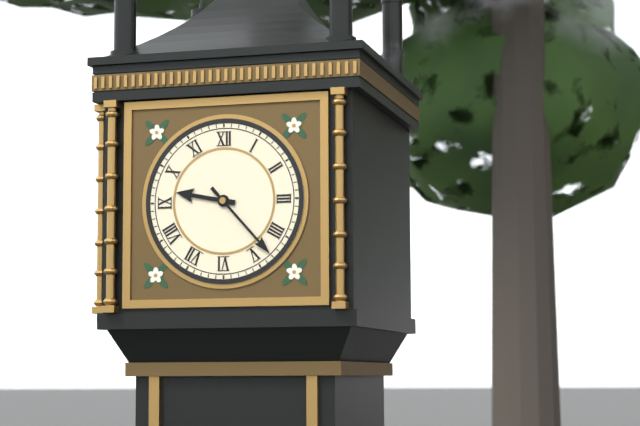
9:23
